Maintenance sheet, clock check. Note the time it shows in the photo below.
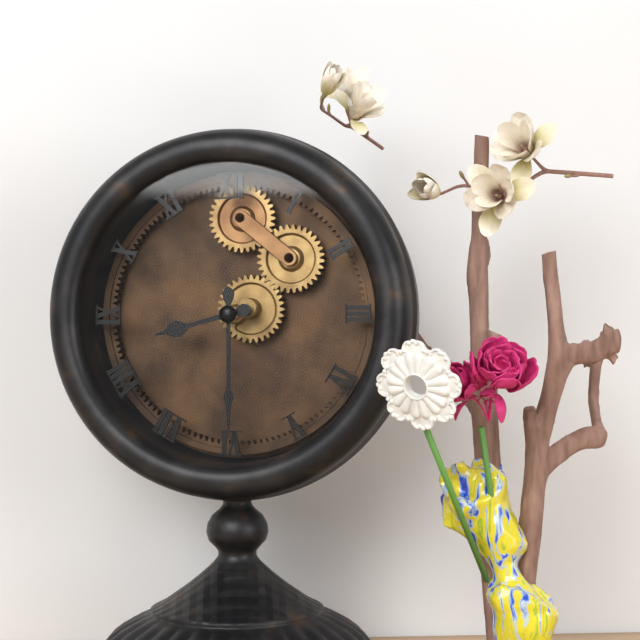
8:30
